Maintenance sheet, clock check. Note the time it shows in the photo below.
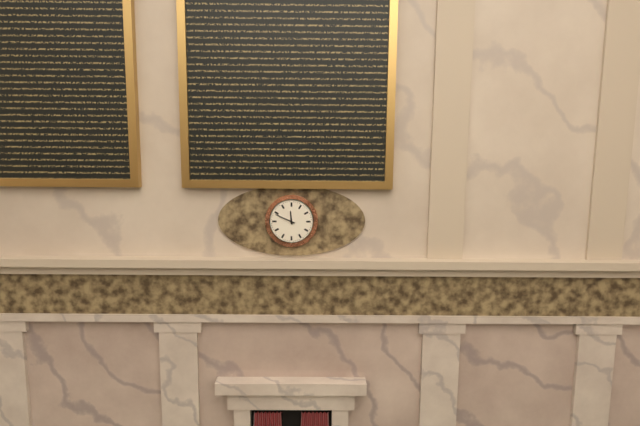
11:49
